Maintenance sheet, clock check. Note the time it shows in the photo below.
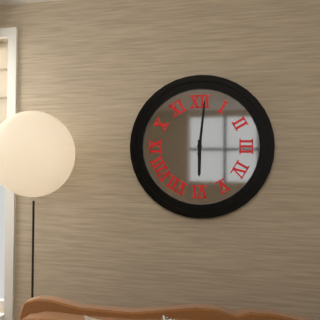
6:01
